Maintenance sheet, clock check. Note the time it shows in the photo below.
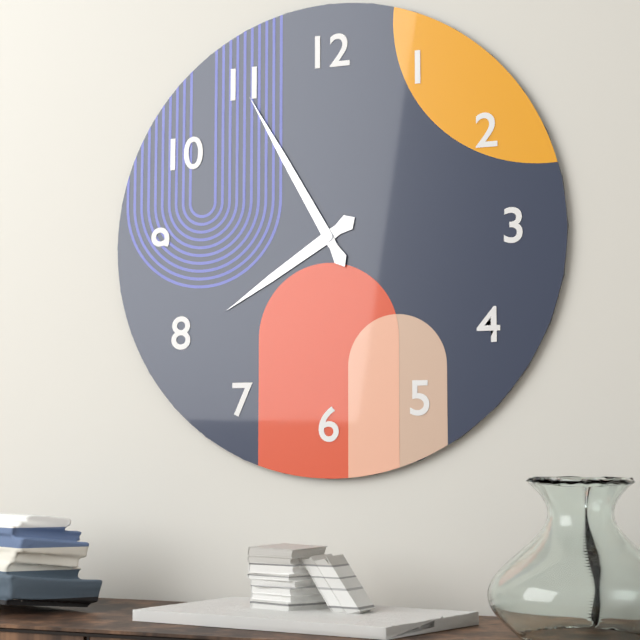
7:55
